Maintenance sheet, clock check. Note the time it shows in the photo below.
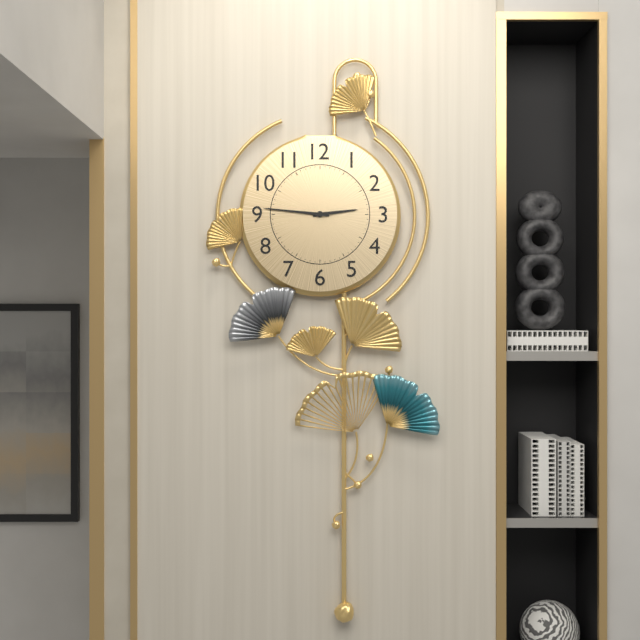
2:46
